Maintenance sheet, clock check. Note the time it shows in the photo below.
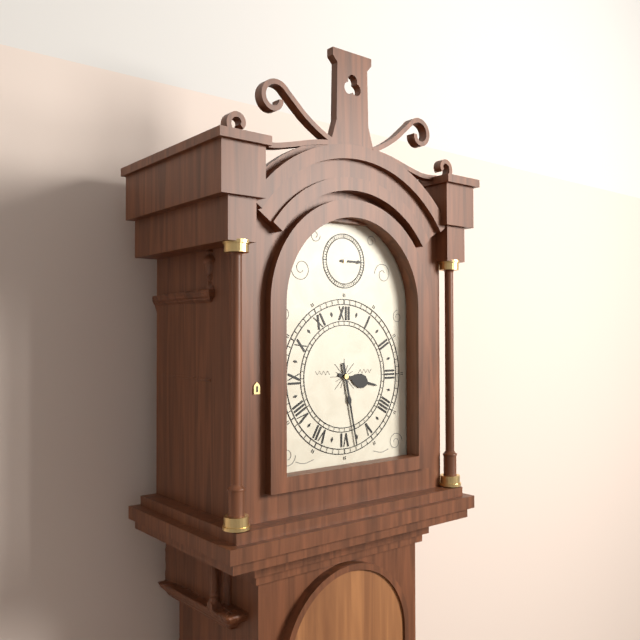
3:28
